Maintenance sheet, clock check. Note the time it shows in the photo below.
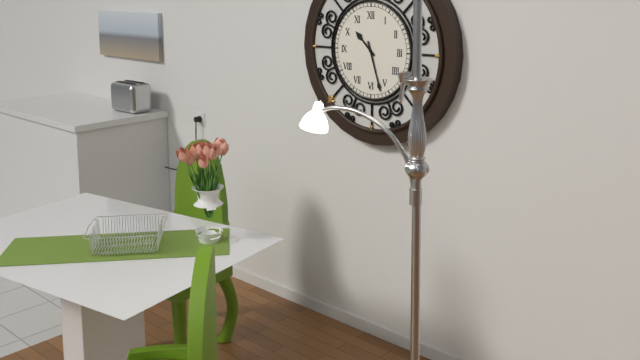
10:27
